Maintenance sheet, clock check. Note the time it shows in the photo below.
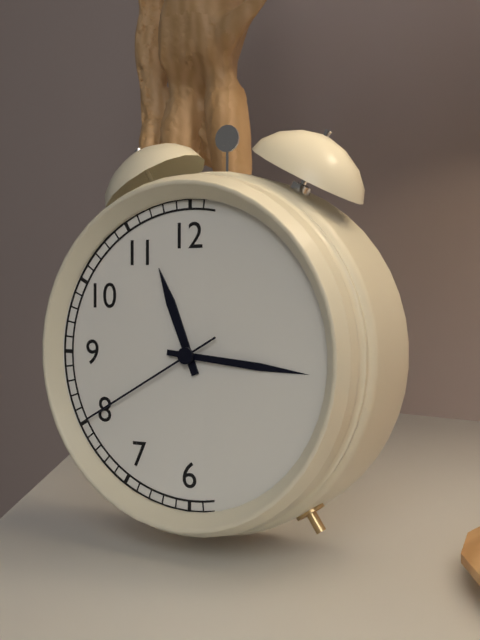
11:16:40
